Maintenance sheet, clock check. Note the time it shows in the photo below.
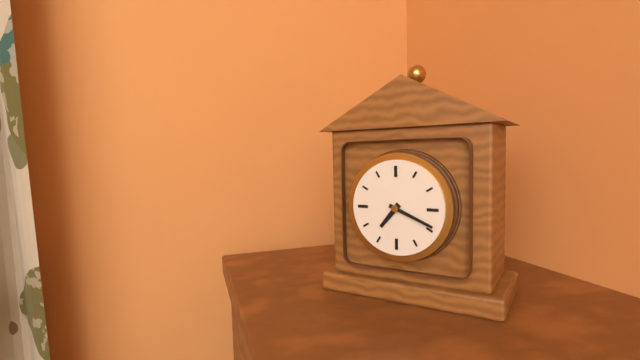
7:19
